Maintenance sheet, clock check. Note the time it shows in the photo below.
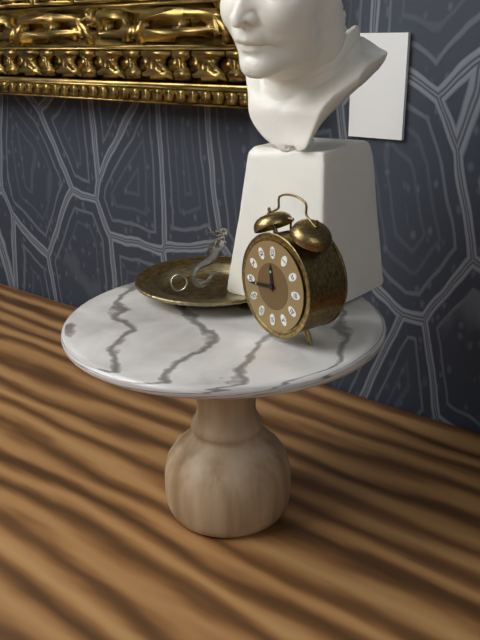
11:44
